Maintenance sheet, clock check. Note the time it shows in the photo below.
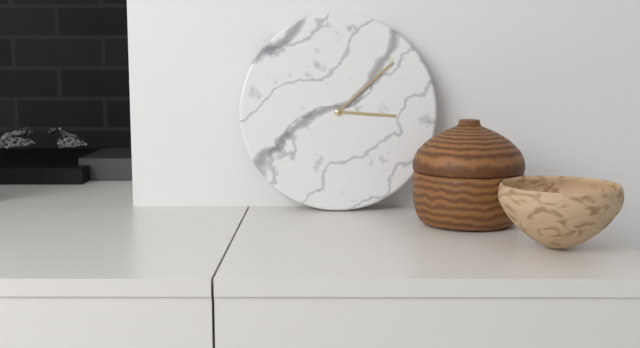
3:08
